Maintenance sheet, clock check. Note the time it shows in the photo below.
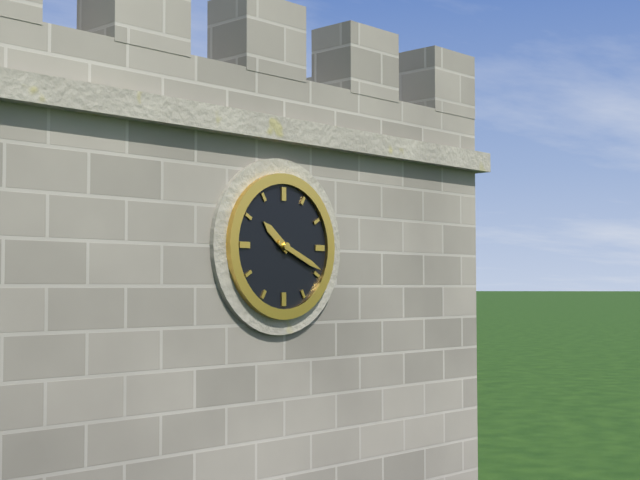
10:19
